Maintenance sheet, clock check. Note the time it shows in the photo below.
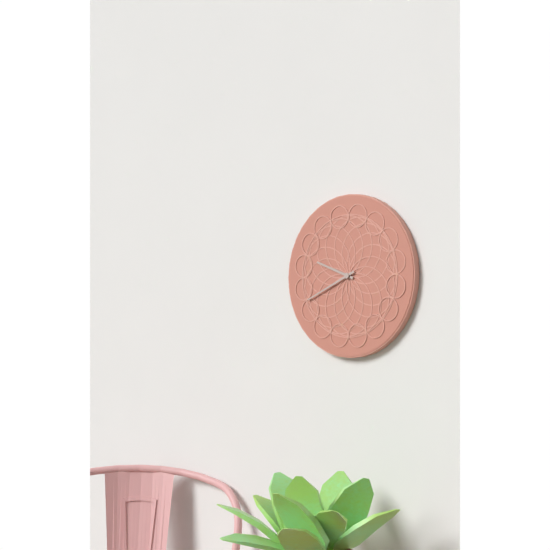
9:41
